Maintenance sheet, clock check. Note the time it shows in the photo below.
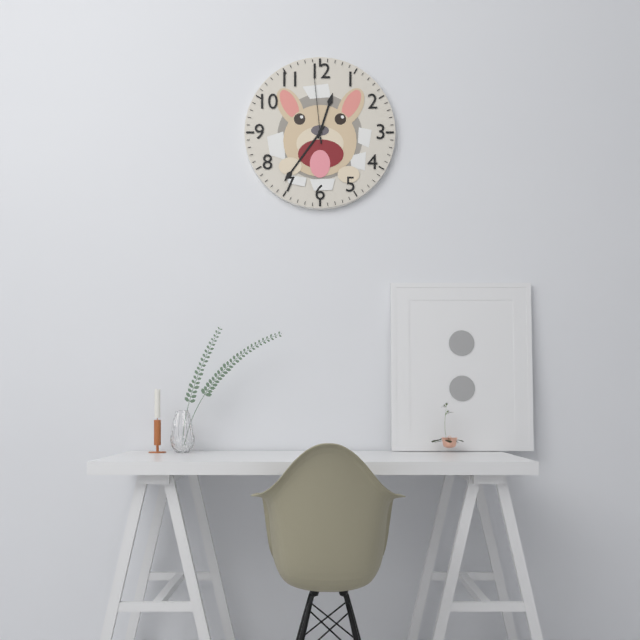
12:36:59
